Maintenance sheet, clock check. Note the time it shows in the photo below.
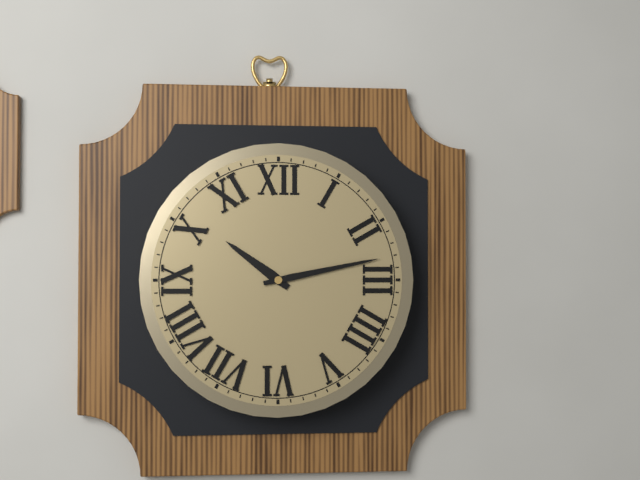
10:13
